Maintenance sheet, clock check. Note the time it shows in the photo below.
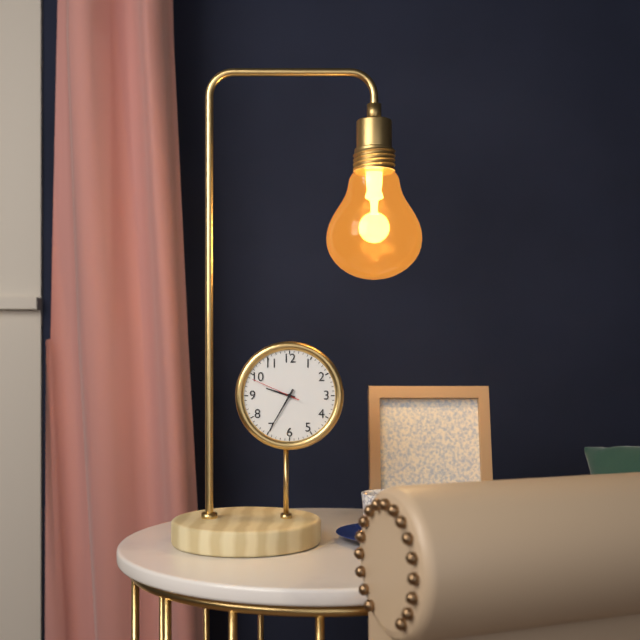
9:35:49
